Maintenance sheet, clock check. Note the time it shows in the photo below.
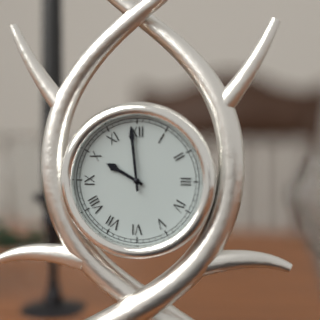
9:59
